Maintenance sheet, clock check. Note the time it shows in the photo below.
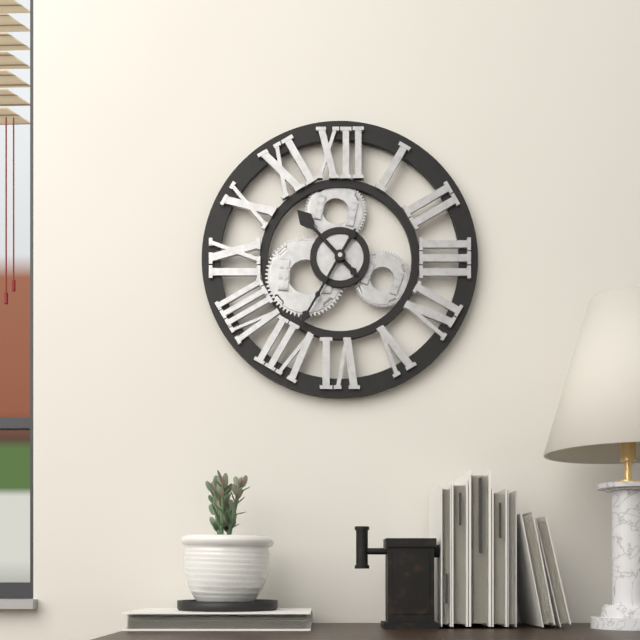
10:35
